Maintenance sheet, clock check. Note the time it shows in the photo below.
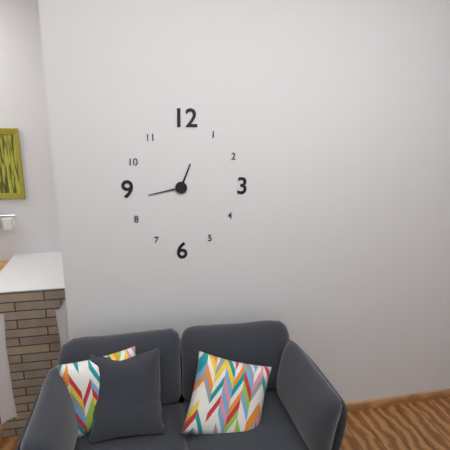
12:43
